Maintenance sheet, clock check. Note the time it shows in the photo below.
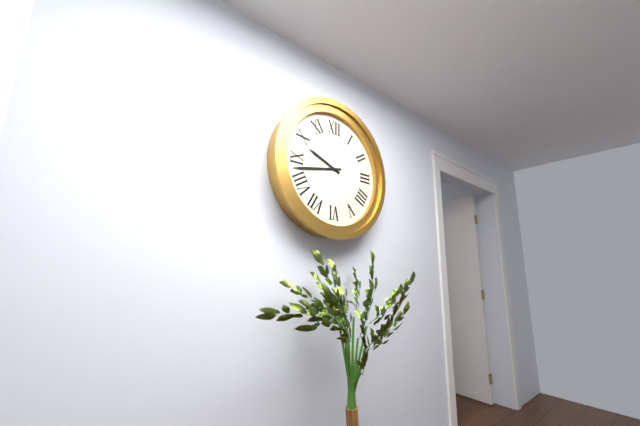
9:43
